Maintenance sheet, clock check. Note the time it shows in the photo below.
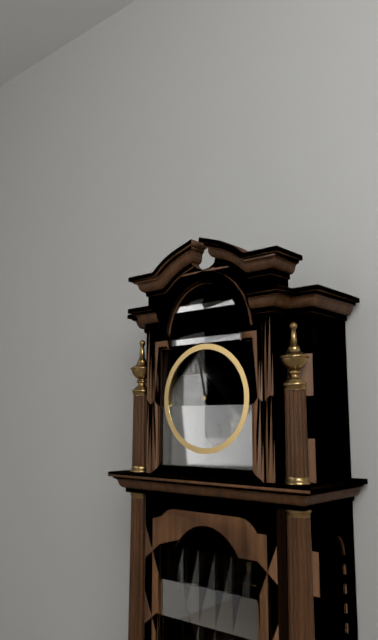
10:58
